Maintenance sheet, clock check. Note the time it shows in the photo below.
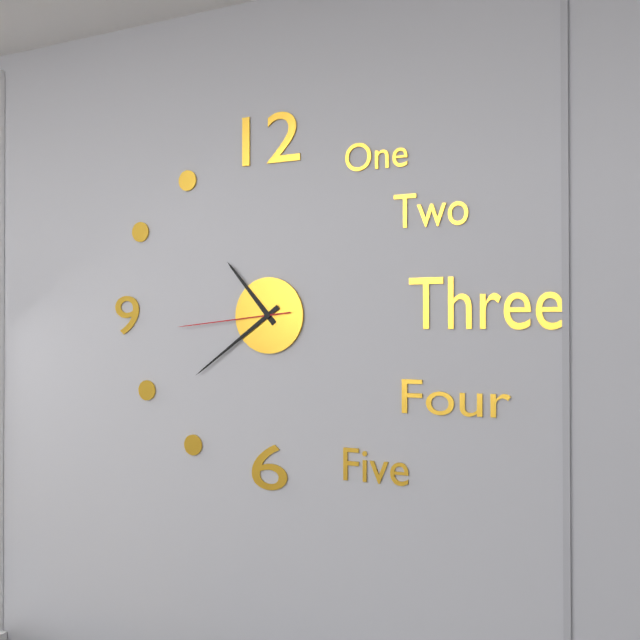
10:39:44
